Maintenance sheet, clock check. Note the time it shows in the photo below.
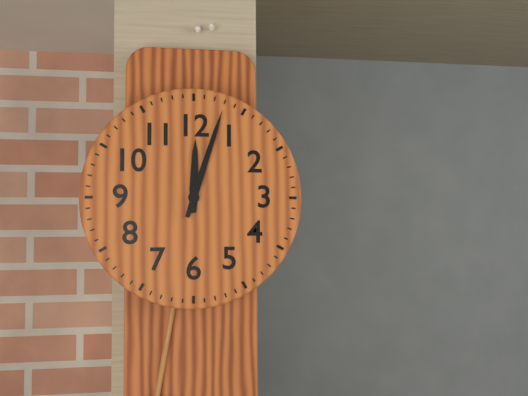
12:03
